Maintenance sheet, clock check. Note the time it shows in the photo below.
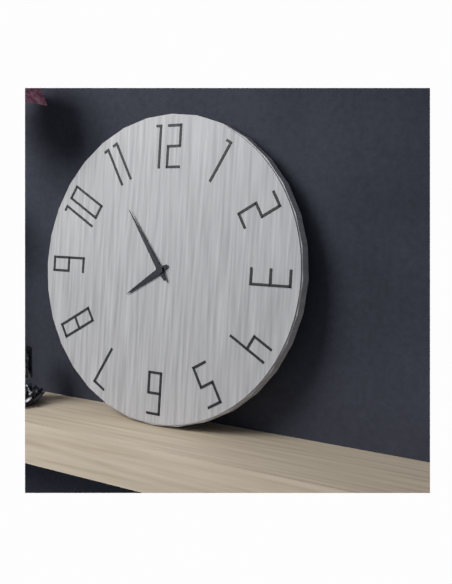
7:54
